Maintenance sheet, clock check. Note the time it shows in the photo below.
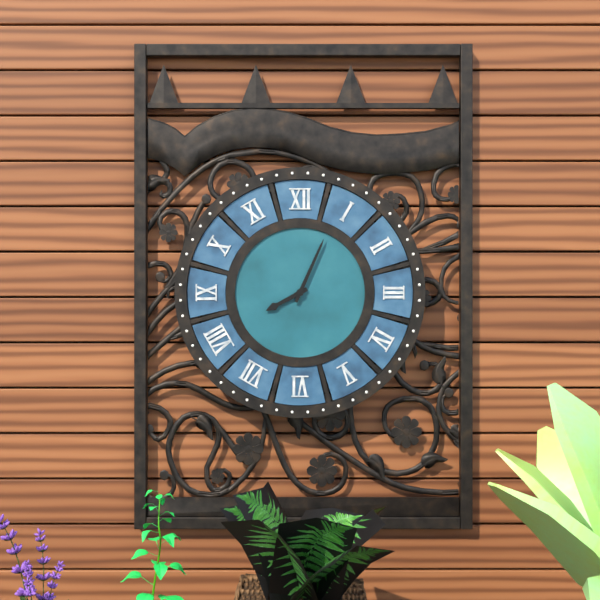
8:04
